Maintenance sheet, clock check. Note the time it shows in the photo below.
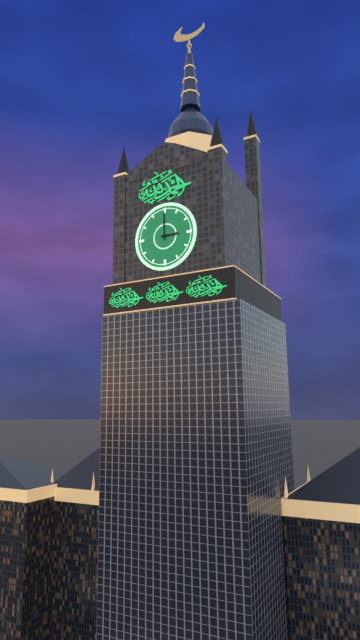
3:00
